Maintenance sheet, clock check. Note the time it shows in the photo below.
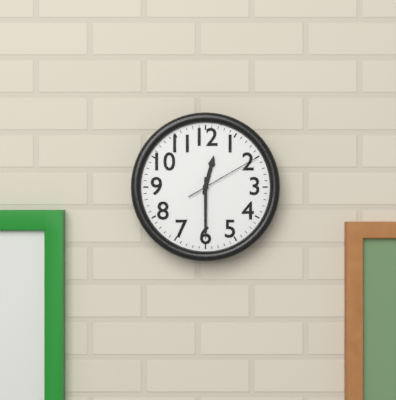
12:30:10
